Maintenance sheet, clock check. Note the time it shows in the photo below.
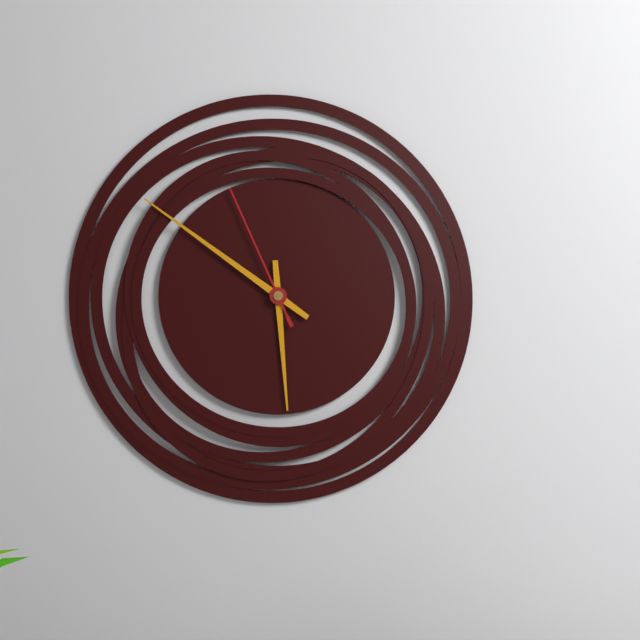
5:51:56
